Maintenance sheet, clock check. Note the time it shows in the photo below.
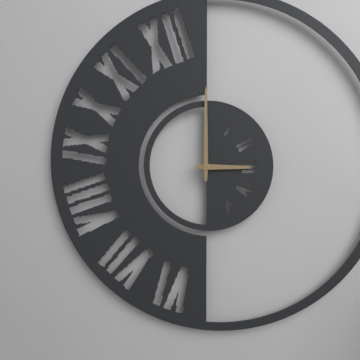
3:00
